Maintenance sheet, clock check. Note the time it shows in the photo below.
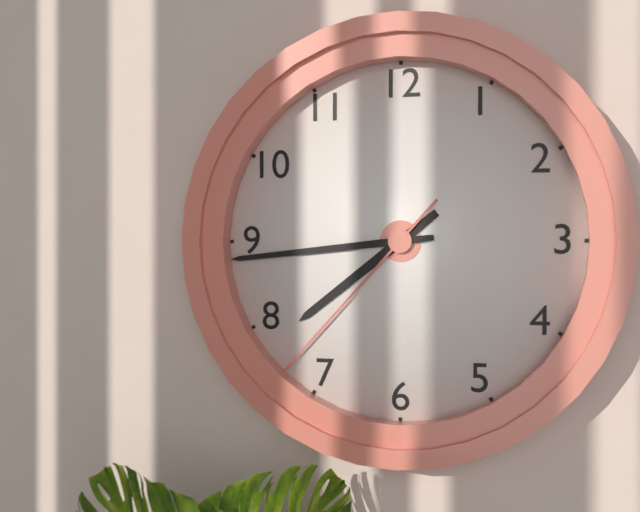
7:44:37
